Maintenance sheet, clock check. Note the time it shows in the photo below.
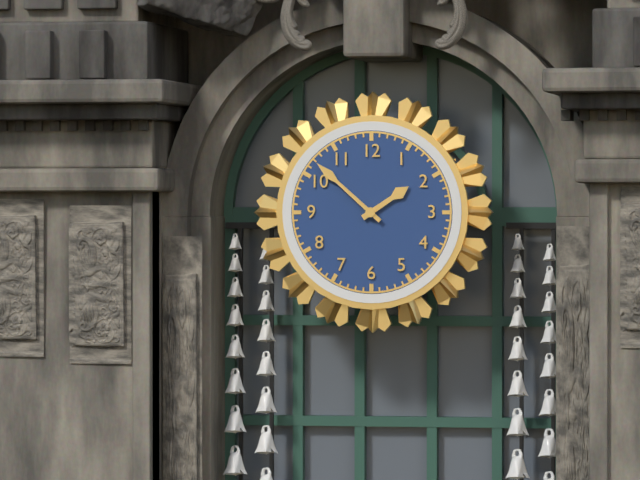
1:52
